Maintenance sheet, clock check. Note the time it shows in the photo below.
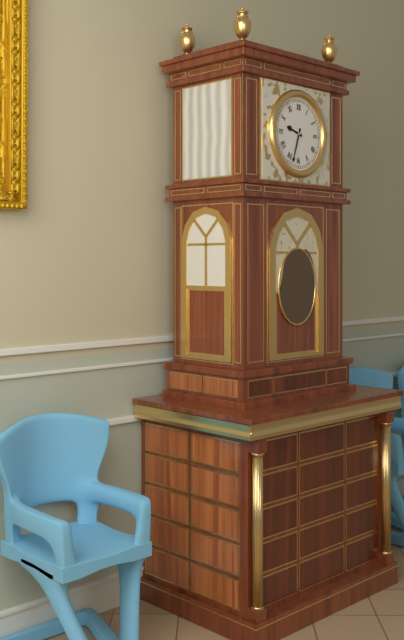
9:33
